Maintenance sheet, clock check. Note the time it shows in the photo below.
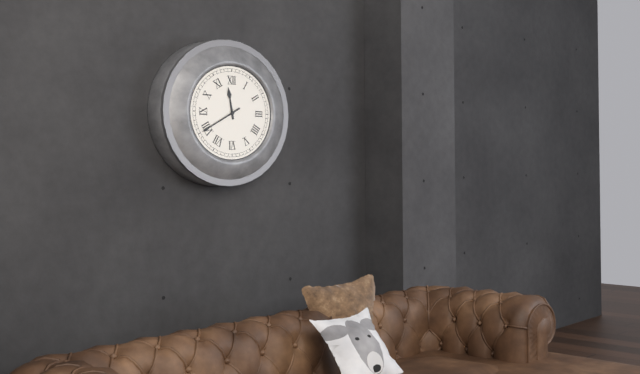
11:40
